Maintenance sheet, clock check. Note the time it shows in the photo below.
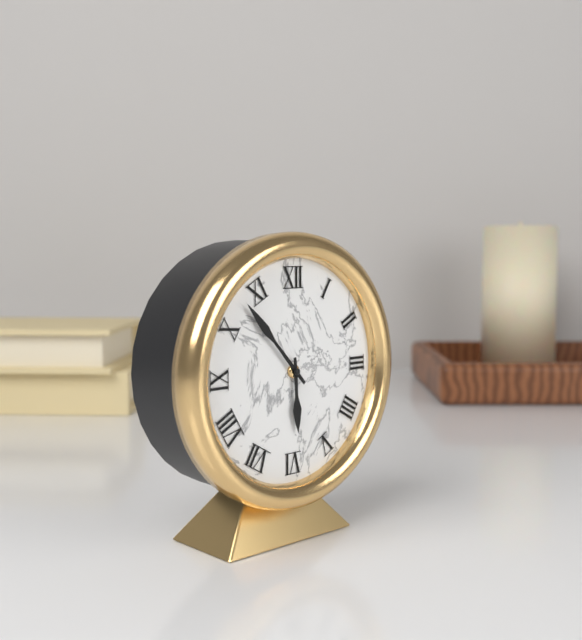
5:53
